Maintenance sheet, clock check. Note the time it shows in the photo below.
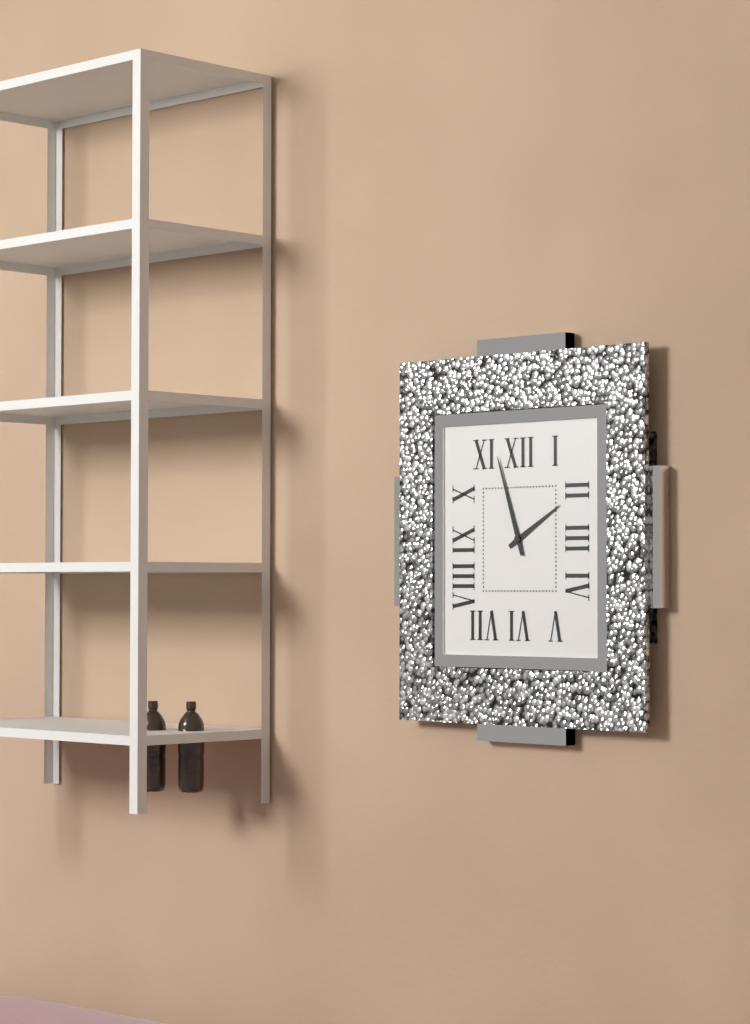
1:57
